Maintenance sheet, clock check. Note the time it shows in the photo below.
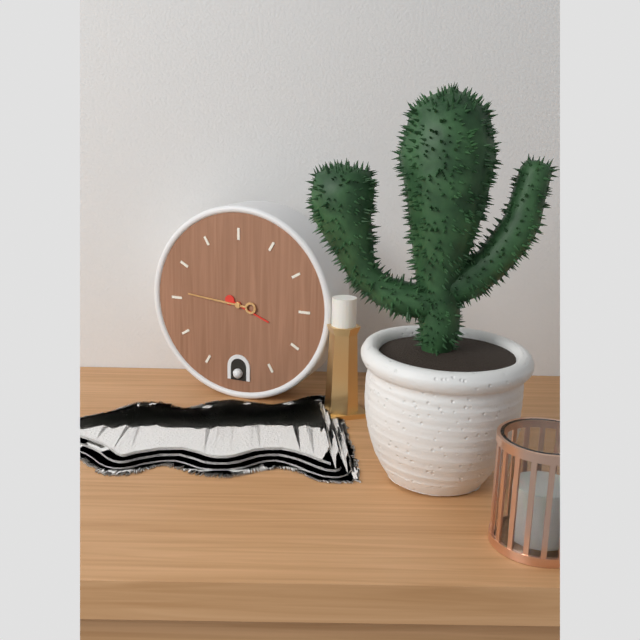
3:46
